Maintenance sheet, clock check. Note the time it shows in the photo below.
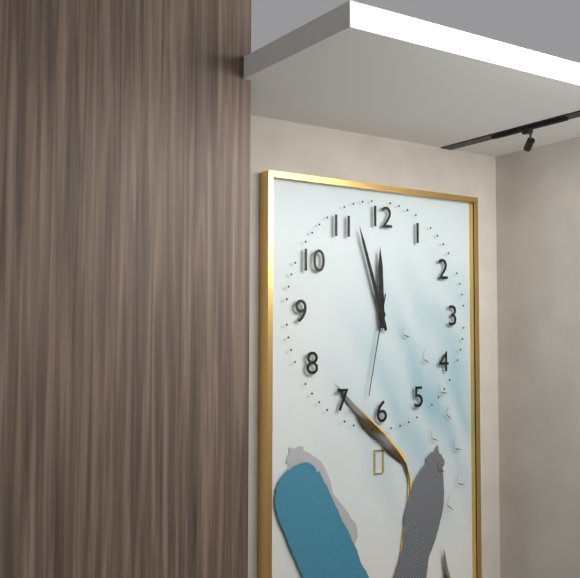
11:57:32
